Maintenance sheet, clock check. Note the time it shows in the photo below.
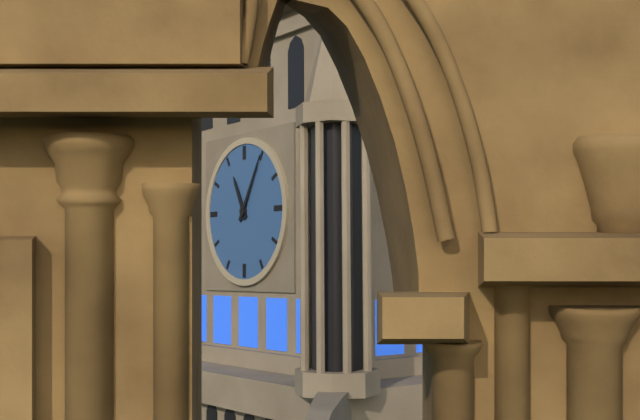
11:05
